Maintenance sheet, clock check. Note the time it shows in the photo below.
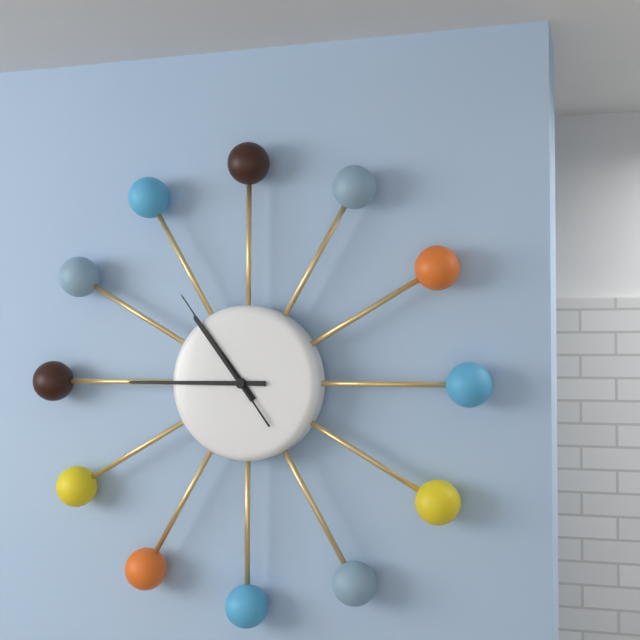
10:45:54
